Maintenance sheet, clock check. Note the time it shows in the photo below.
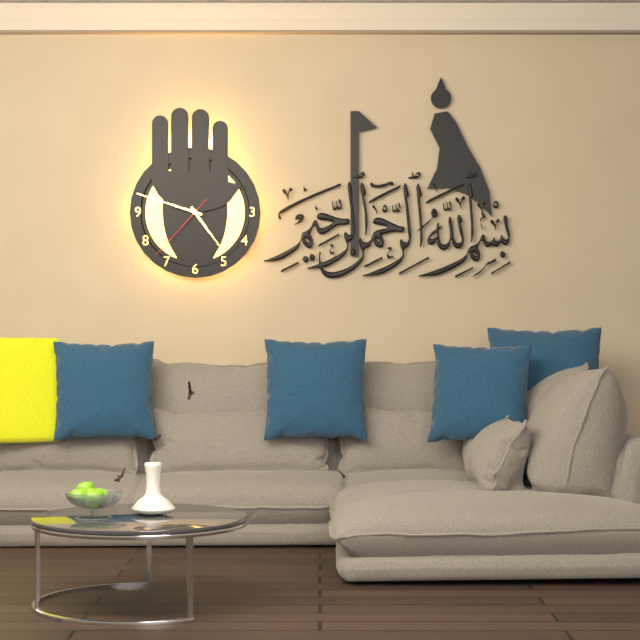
4:48:37
